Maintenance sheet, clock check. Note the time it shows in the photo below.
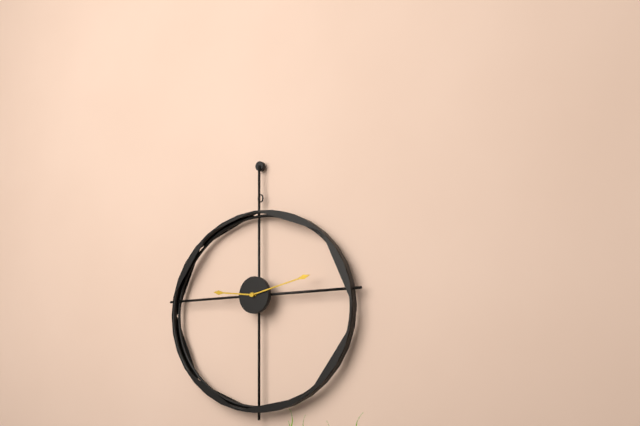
9:13
